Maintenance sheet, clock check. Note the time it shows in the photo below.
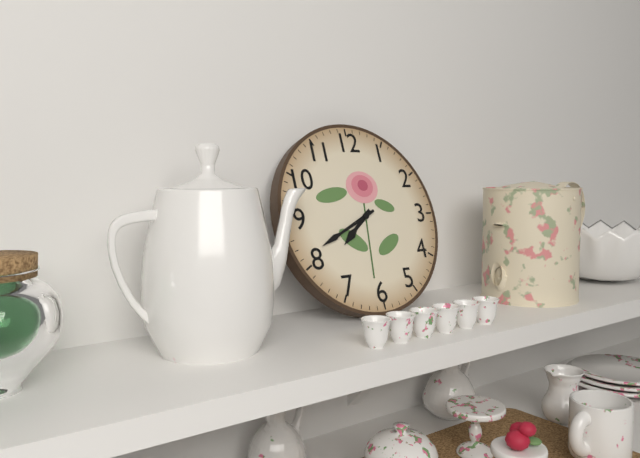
7:41
